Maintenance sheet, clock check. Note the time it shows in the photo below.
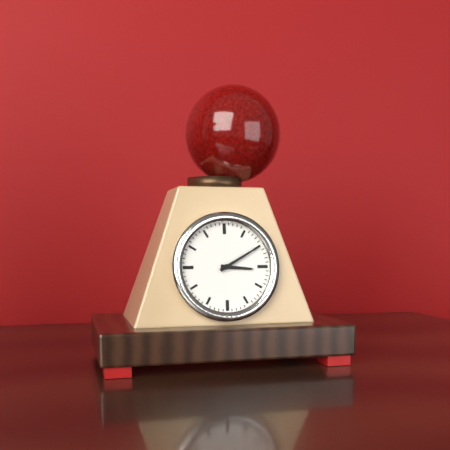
3:10
